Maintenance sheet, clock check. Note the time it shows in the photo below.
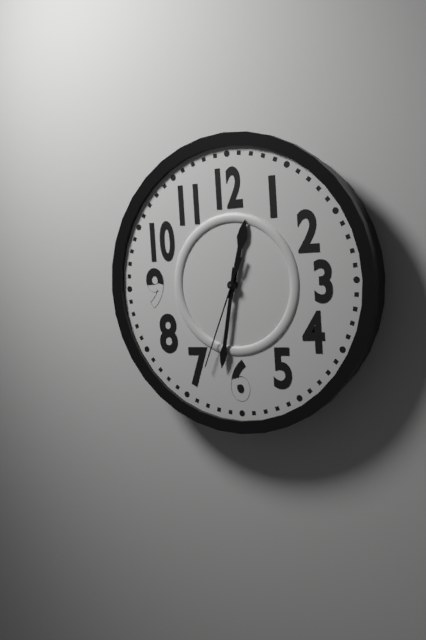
12:32:34
